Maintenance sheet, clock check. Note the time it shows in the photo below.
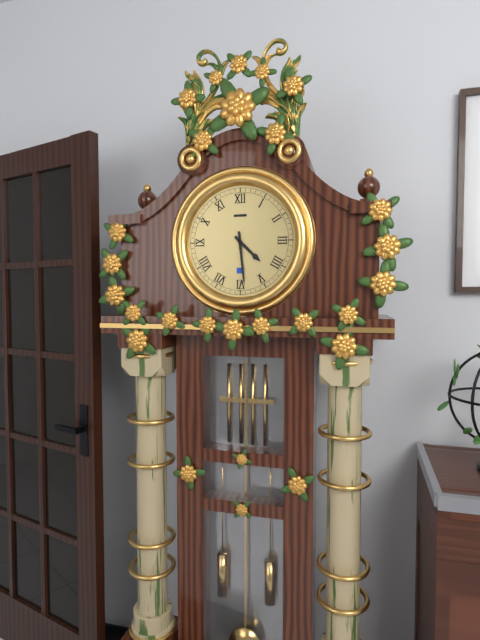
4:29
